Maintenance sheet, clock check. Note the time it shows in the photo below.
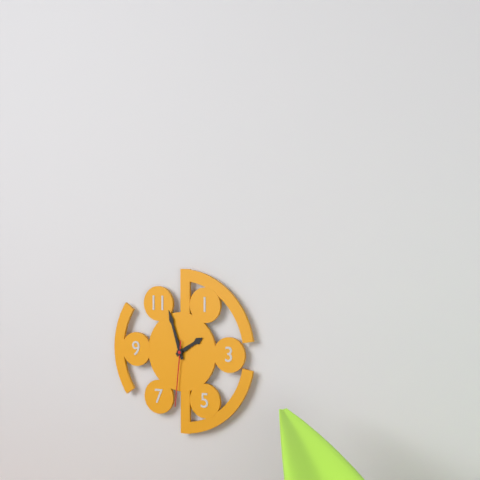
1:57:31
